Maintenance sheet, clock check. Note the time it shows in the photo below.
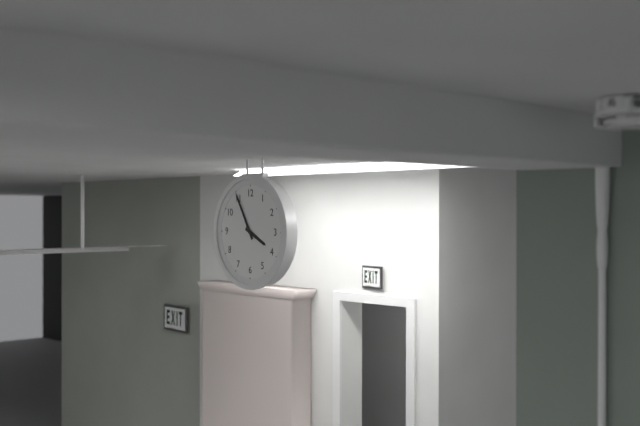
3:55
